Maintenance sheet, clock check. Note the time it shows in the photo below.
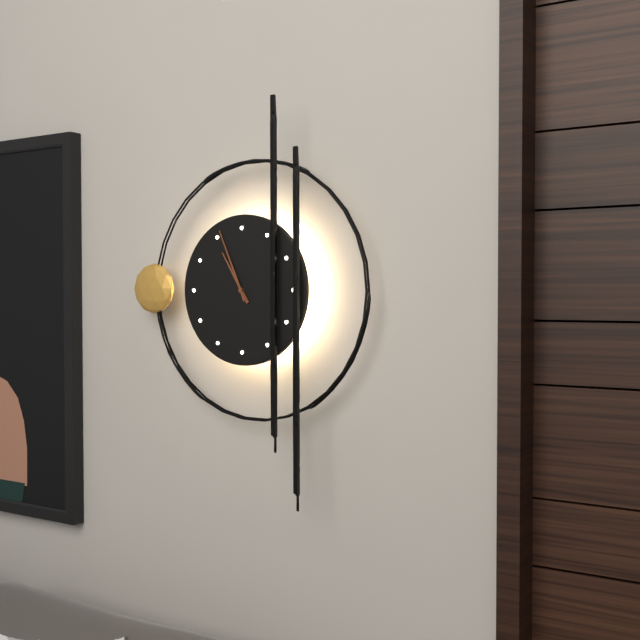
10:56
